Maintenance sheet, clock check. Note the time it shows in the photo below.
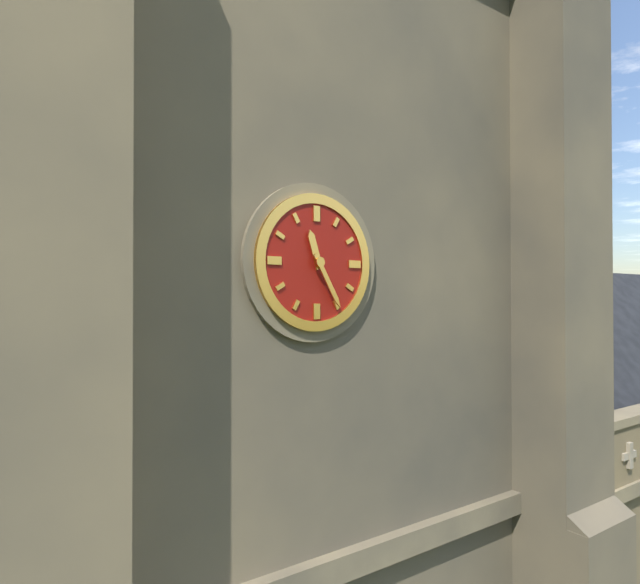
11:25
